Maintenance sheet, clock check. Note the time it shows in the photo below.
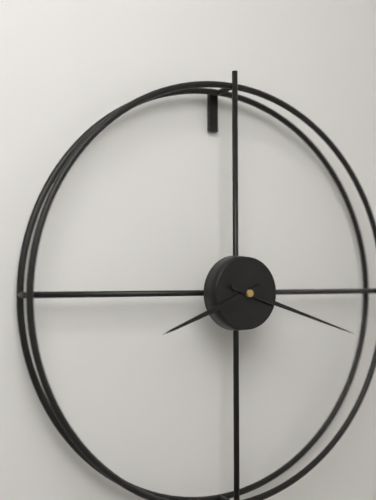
8:18
